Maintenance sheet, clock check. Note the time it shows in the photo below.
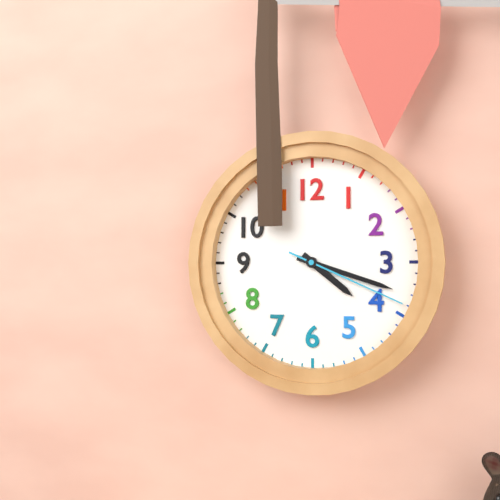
4:18:19
